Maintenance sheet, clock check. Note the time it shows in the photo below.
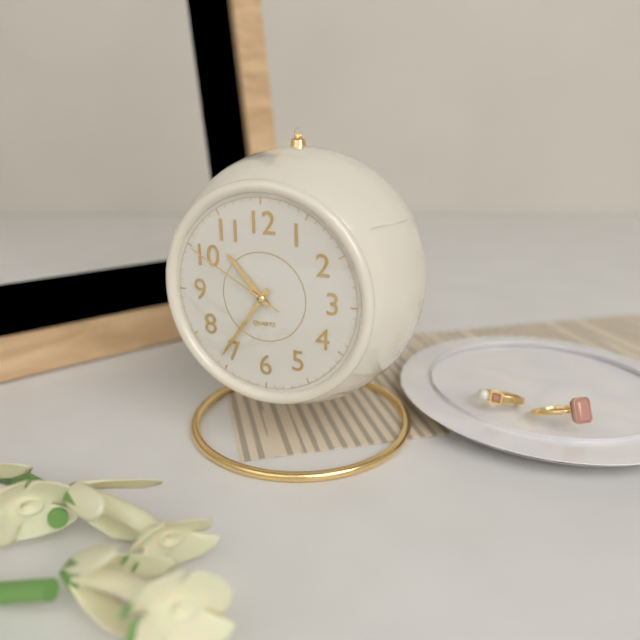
10:36:50
